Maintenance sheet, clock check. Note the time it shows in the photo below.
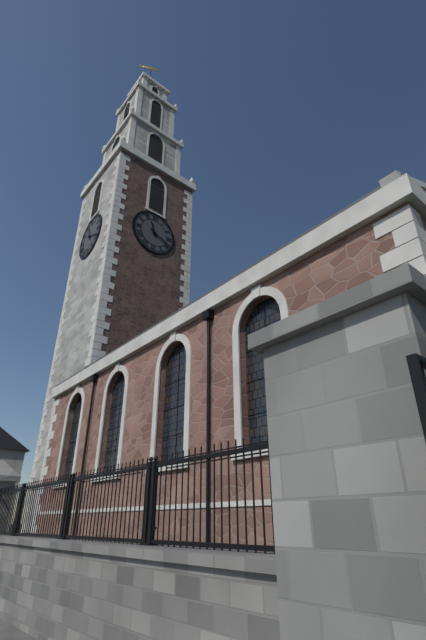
11:19
